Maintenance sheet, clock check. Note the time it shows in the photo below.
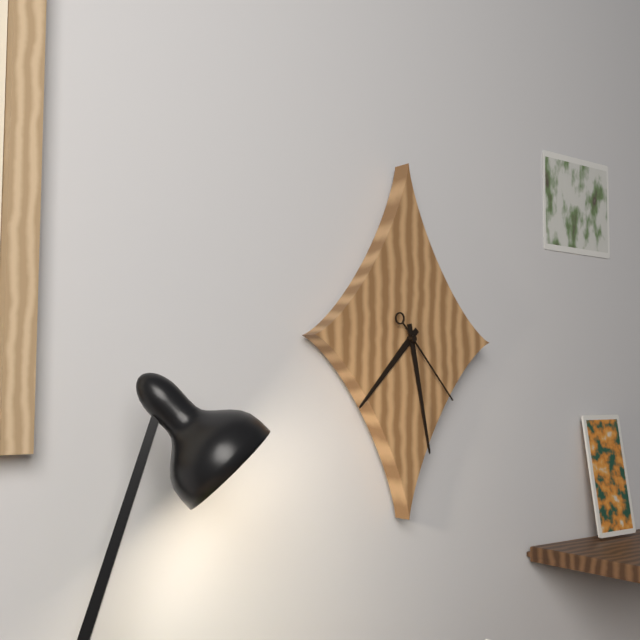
7:28:23
